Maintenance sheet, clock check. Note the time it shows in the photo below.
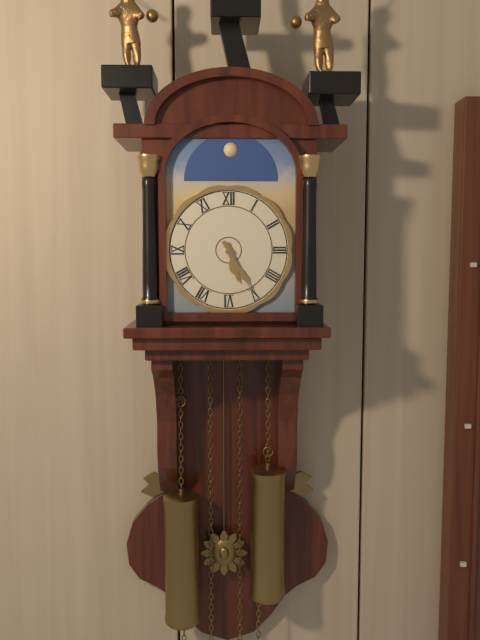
5:25
